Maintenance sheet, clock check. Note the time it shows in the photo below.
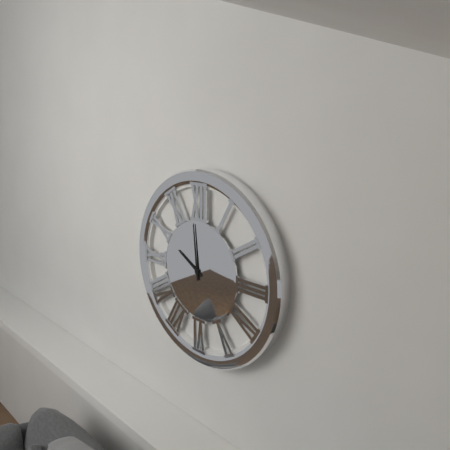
9:59
